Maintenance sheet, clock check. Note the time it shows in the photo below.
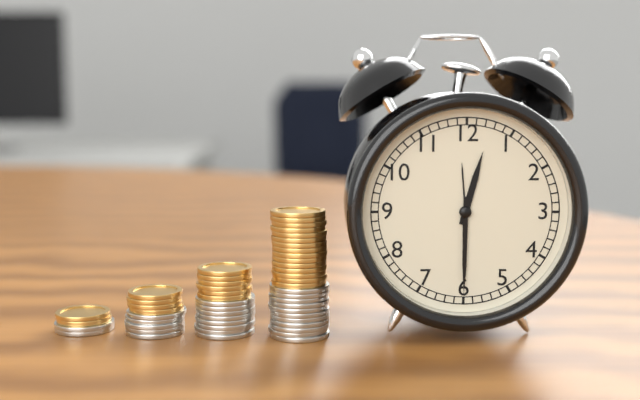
12:30
